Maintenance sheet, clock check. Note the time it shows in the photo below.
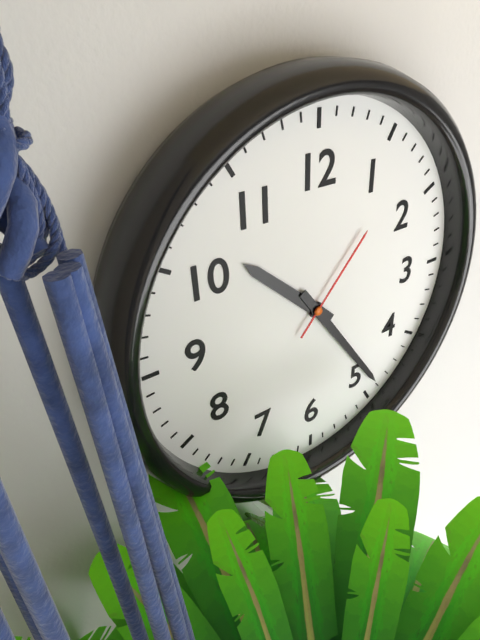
10:24:07
